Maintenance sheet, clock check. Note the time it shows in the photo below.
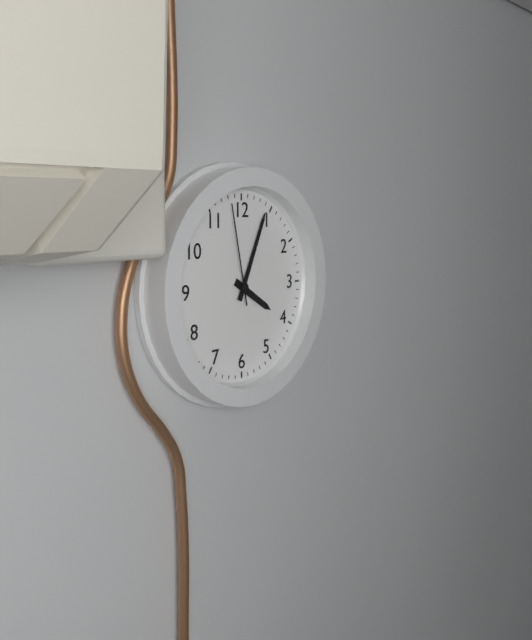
4:04:58
